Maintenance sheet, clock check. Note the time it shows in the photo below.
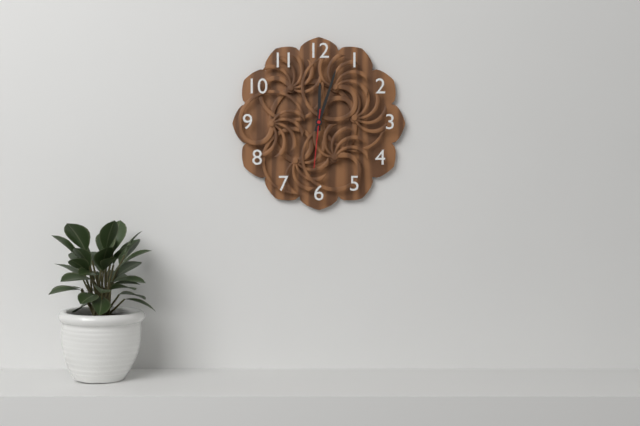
12:03:31
